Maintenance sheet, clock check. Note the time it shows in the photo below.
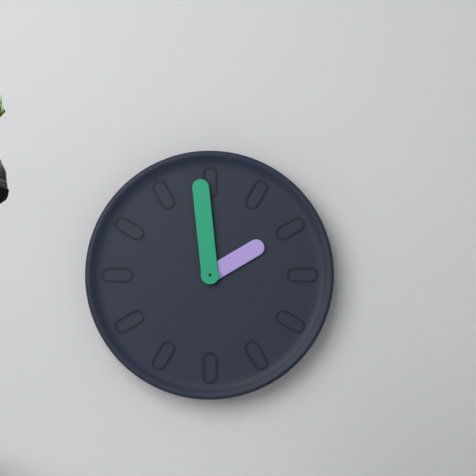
1:59
